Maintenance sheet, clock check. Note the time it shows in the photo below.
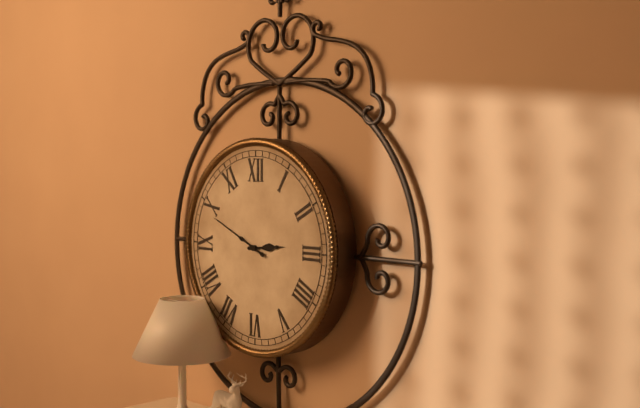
2:49
